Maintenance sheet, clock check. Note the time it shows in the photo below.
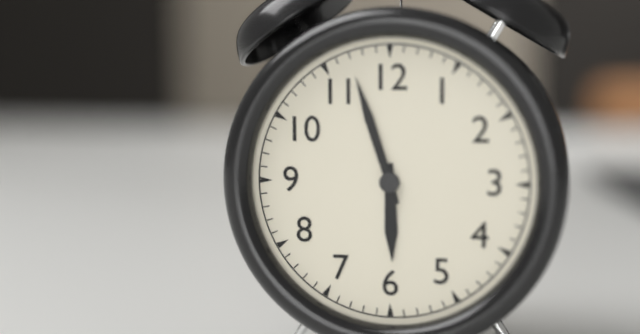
5:57
